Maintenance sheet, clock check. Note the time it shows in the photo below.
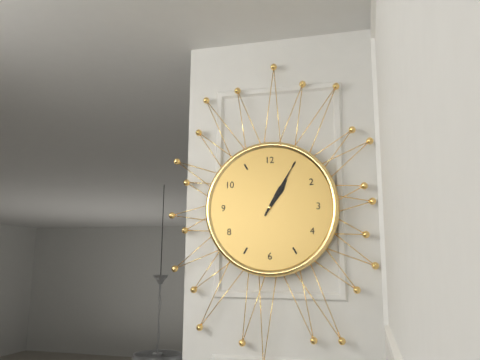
1:05
